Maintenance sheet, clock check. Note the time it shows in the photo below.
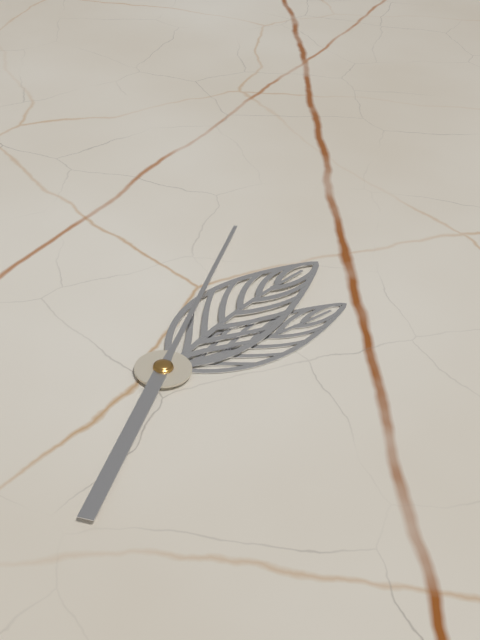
7:35:31
